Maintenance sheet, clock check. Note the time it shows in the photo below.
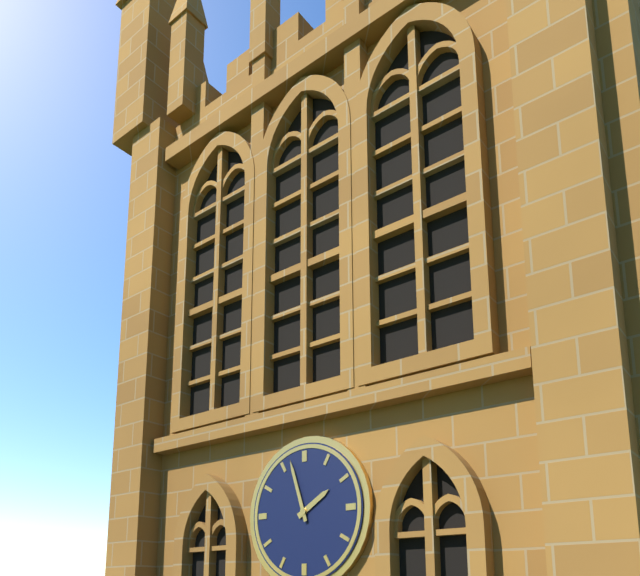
1:57
